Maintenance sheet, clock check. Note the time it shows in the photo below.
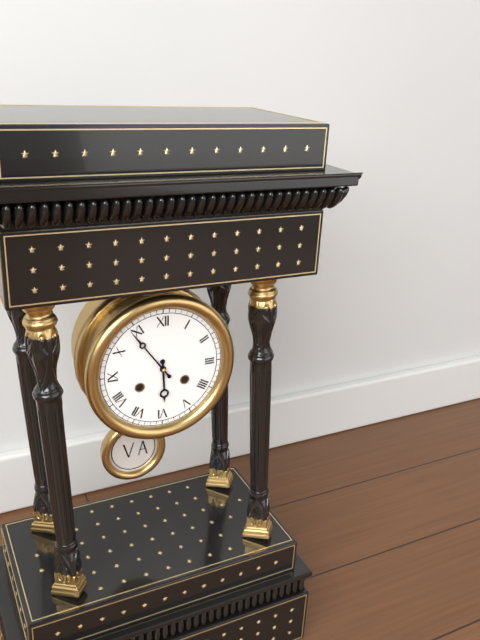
5:54
